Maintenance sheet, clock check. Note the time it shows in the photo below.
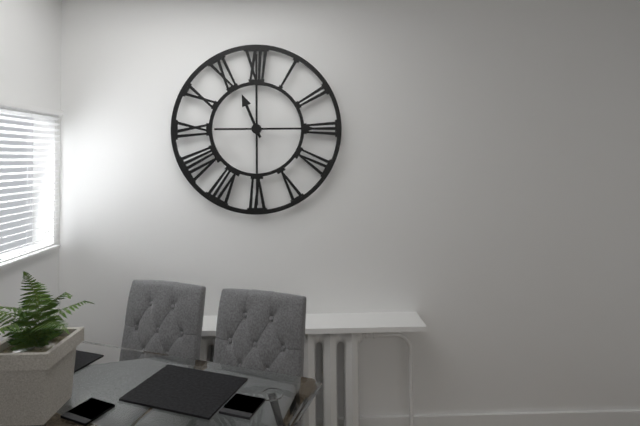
11:15
